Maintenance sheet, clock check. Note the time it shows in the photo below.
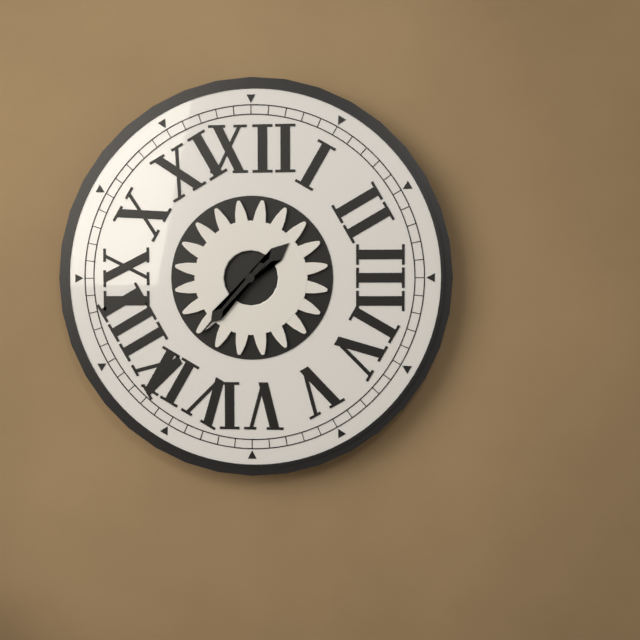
1:37
